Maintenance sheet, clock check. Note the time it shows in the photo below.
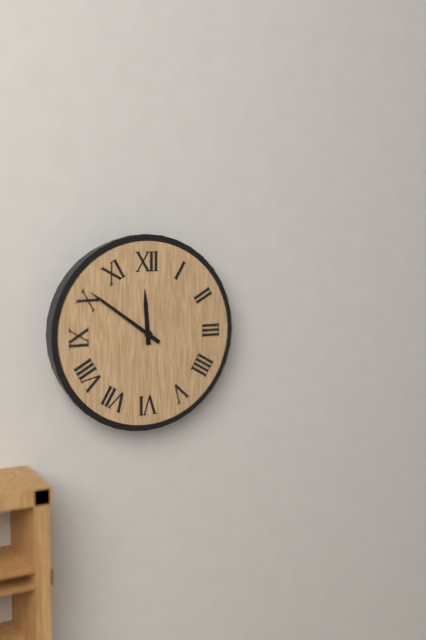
11:51
